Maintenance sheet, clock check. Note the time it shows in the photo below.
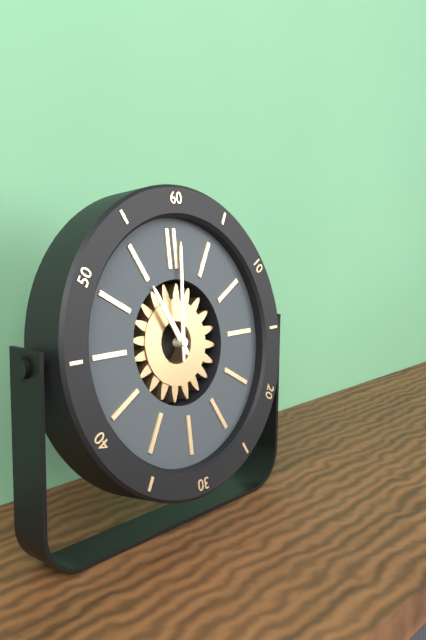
11:01
